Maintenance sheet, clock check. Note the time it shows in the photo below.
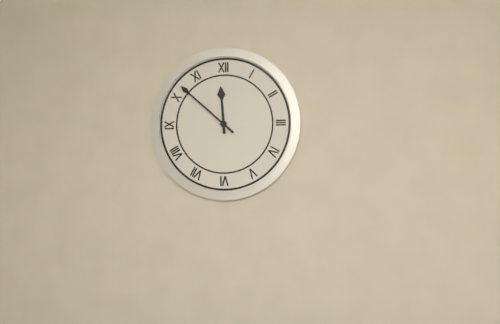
11:52
